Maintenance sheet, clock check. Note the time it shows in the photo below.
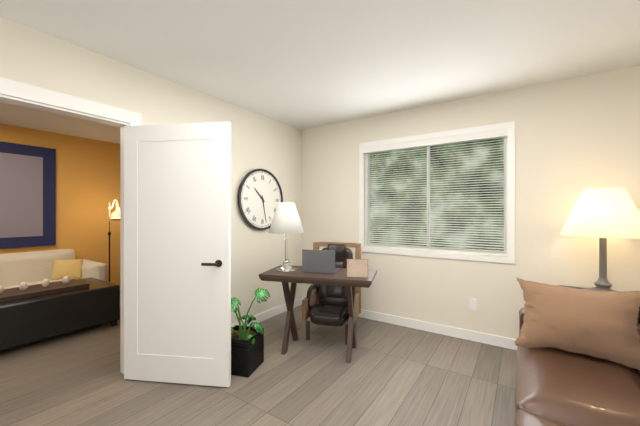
10:28
